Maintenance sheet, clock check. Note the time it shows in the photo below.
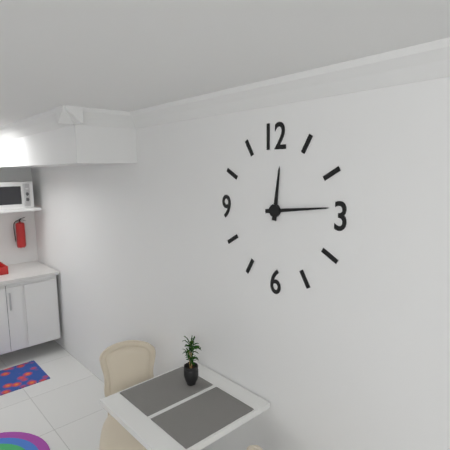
12:14
